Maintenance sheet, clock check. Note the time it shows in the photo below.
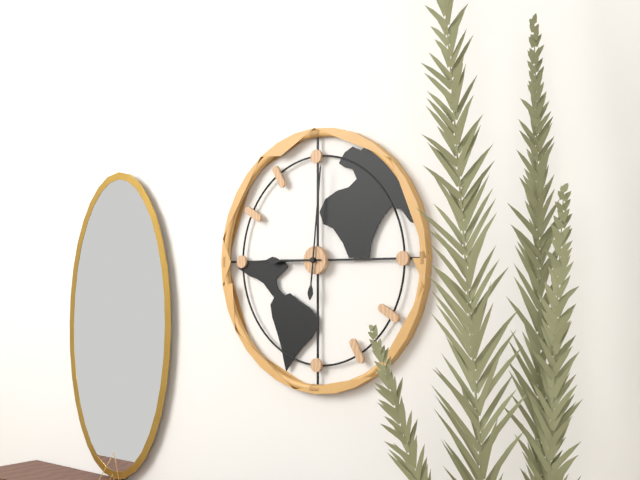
9:01
